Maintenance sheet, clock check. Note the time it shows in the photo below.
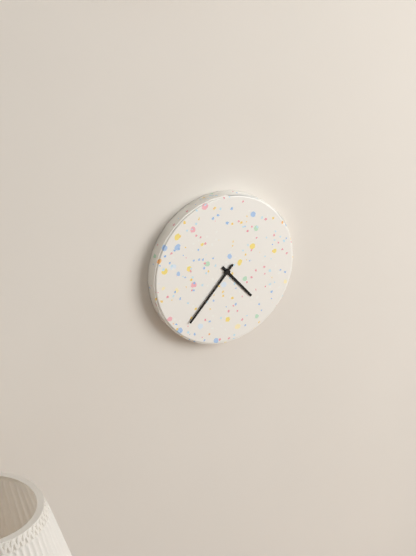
4:37
